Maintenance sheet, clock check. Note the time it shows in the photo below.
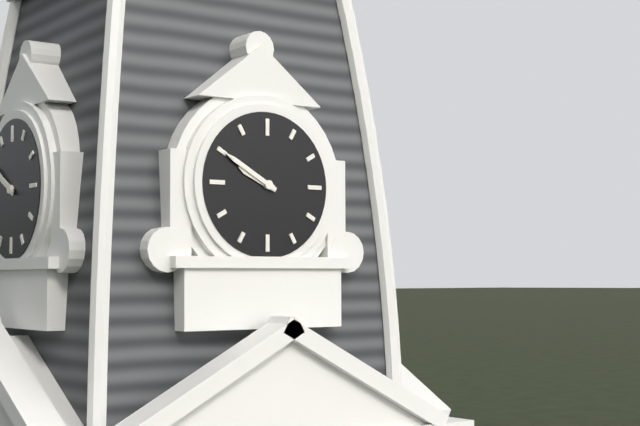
9:50
